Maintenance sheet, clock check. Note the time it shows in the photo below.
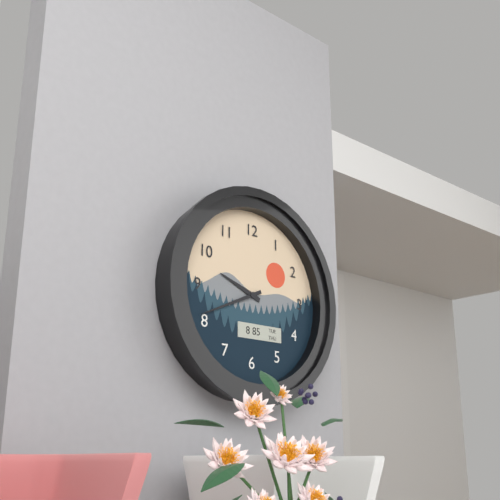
9:41
